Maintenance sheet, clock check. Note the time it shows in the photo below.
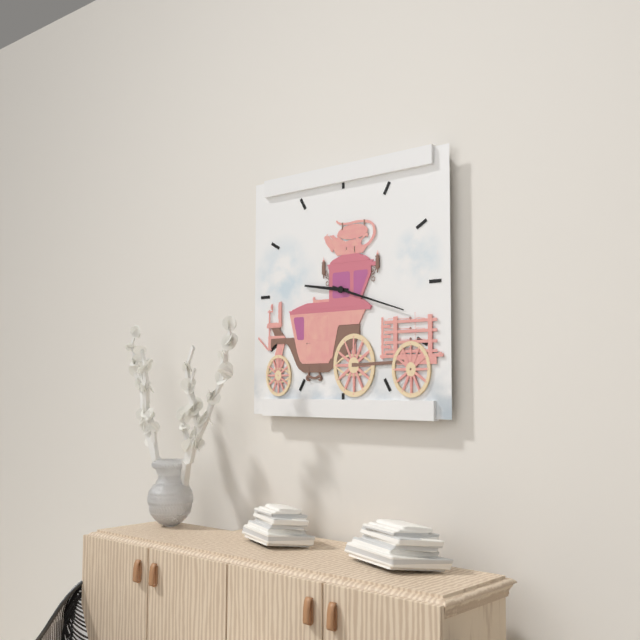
9:18
